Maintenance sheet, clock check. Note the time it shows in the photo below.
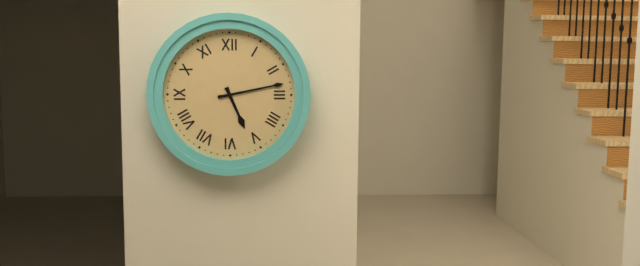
5:13
